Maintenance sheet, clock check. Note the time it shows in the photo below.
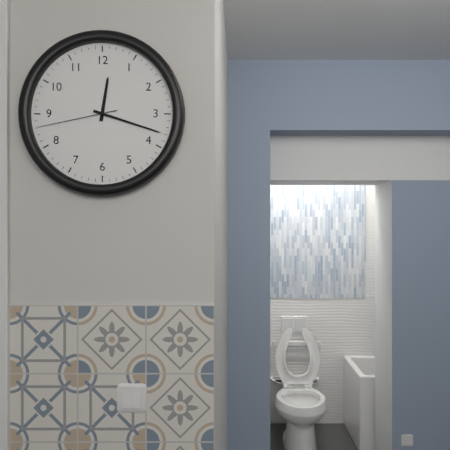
12:18:43
